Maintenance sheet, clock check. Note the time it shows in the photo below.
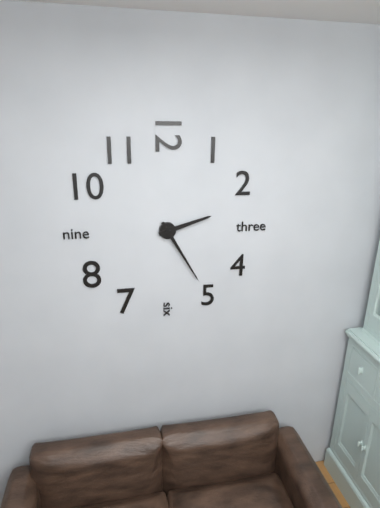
2:25
